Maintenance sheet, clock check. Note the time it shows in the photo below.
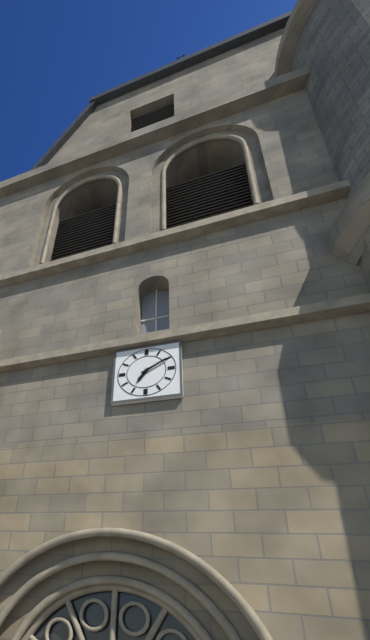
7:10
